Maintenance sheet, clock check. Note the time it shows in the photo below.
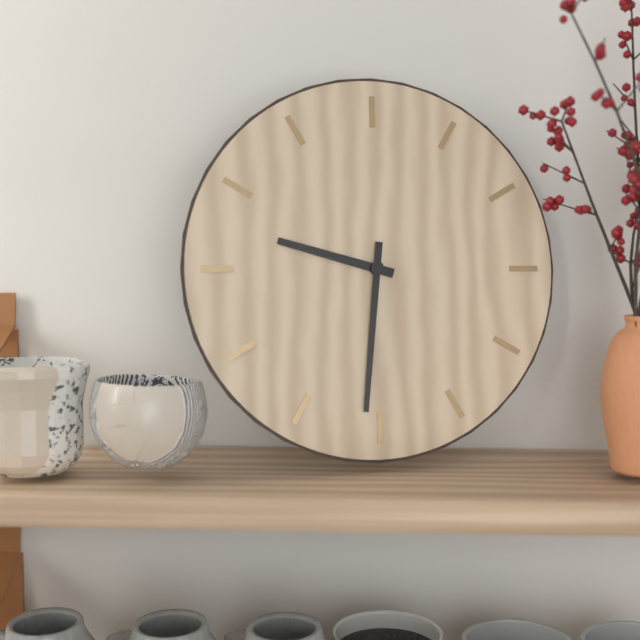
9:31
